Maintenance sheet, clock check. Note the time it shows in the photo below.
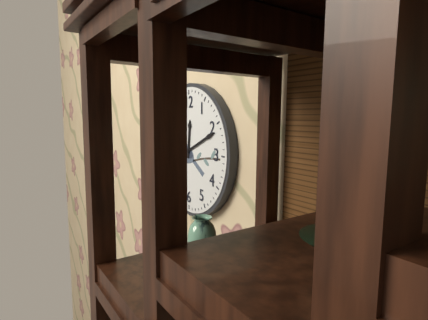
12:11
